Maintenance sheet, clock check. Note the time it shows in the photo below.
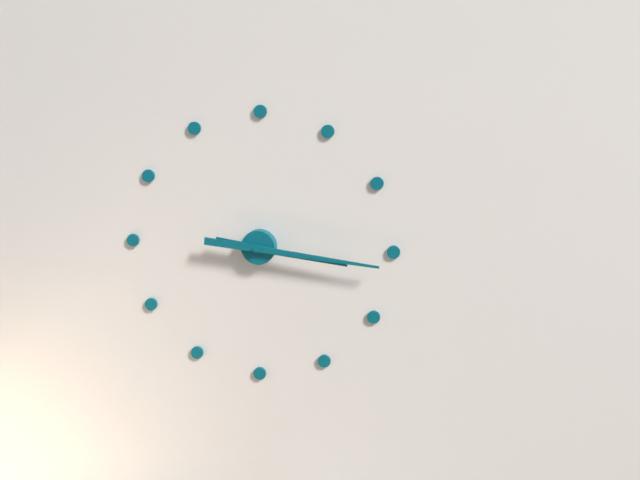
3:16
